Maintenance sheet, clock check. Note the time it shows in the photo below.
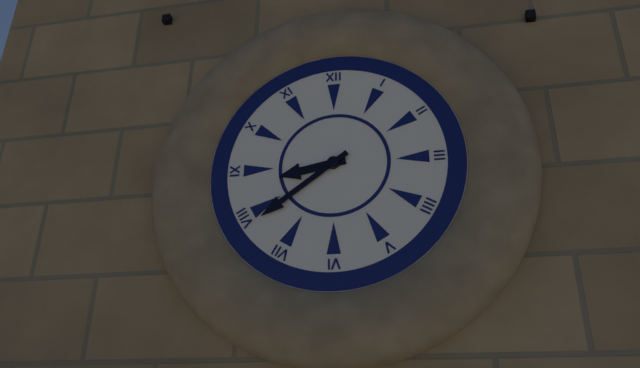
8:39
